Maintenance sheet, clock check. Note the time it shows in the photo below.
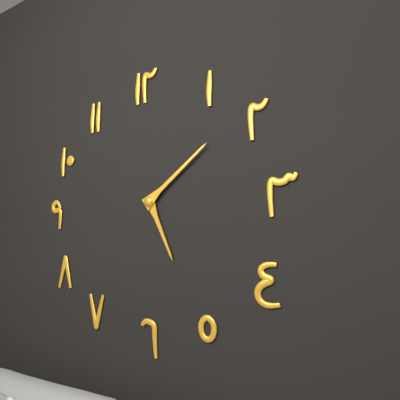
5:09
